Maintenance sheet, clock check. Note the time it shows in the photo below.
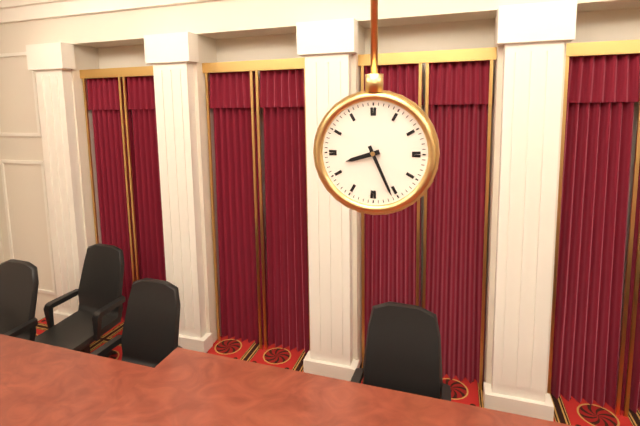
8:26
